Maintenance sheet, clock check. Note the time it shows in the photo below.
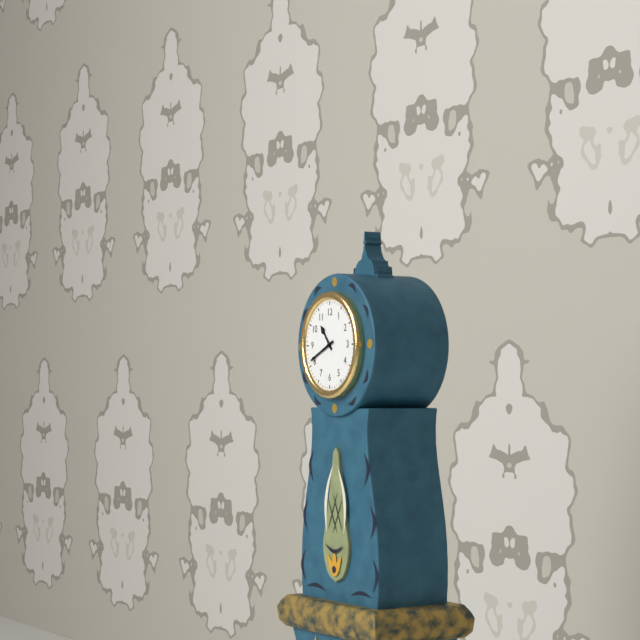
10:41
